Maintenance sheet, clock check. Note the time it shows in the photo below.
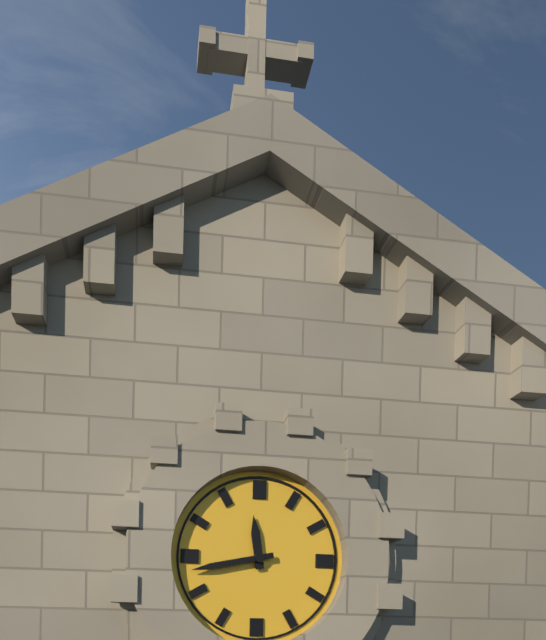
11:43
